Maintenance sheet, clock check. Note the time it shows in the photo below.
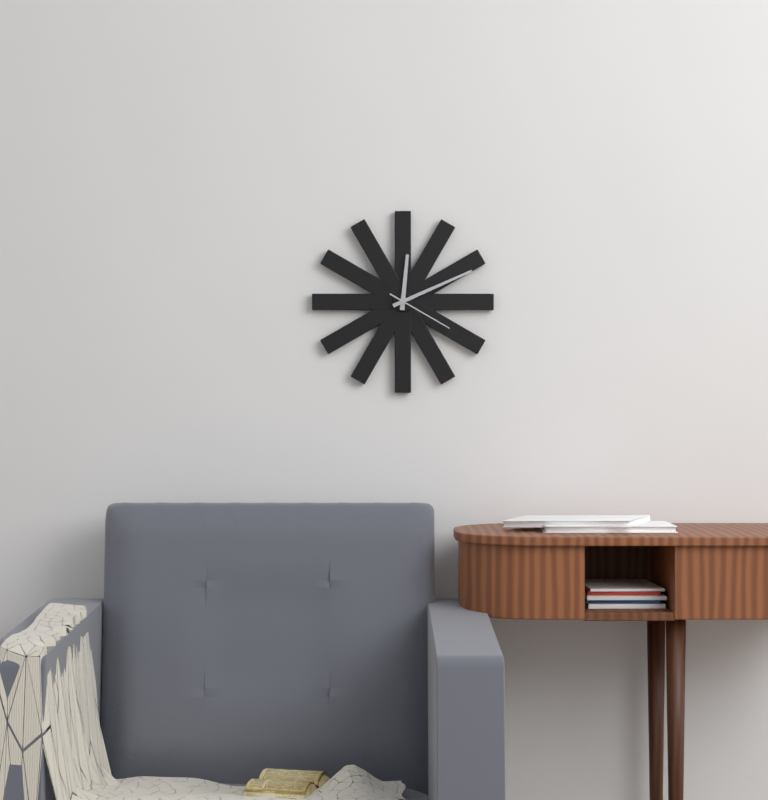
12:11:20
